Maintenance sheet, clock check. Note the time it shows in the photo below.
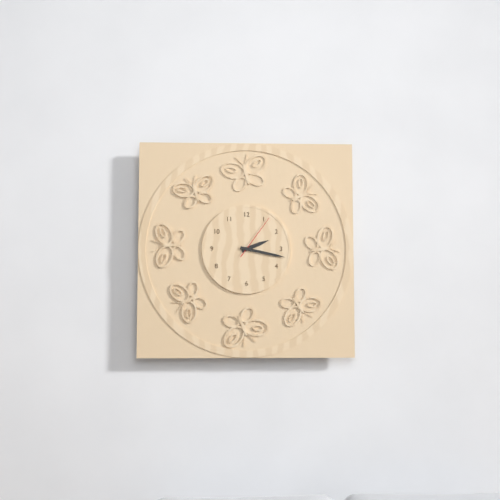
2:17
